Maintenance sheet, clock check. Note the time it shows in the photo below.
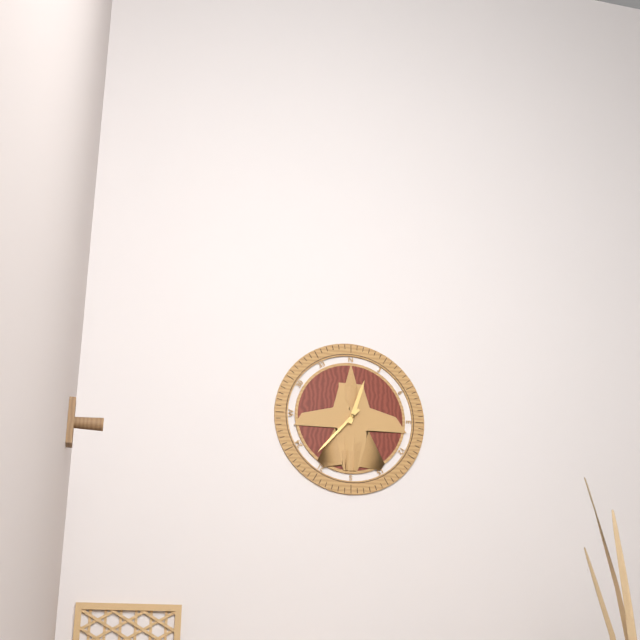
12:37
